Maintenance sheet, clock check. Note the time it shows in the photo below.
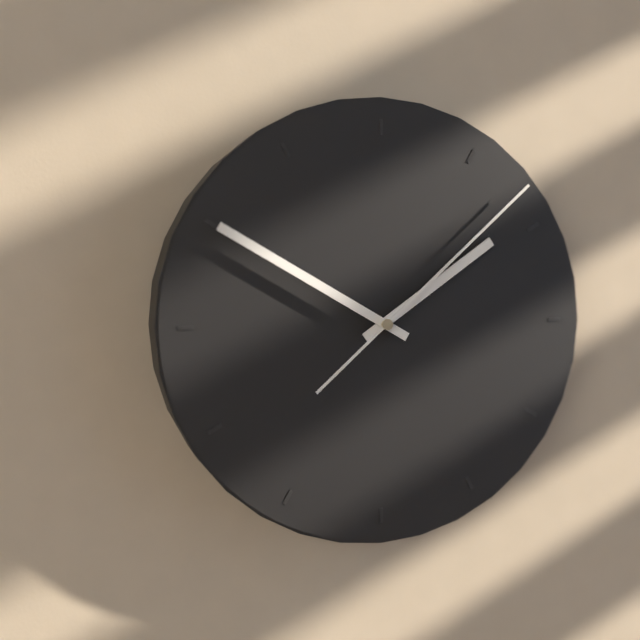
1:50:08
